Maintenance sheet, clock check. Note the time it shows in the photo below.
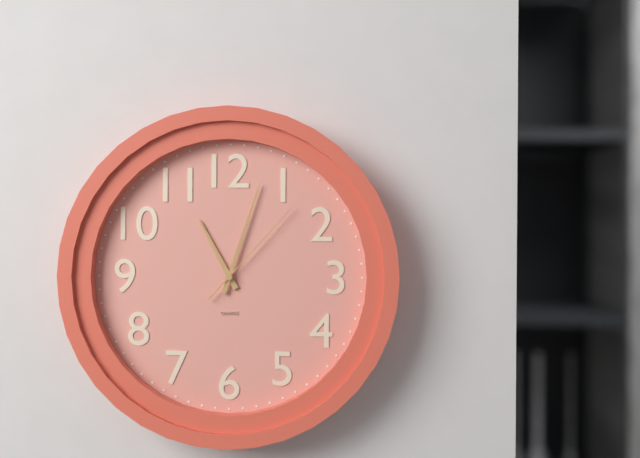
11:03:07
